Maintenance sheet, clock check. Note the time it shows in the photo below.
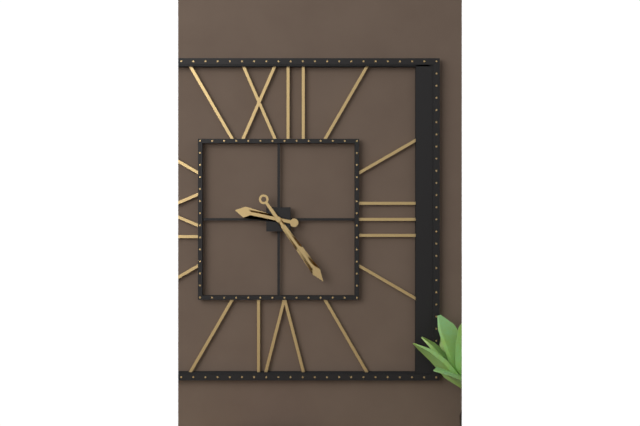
9:24
